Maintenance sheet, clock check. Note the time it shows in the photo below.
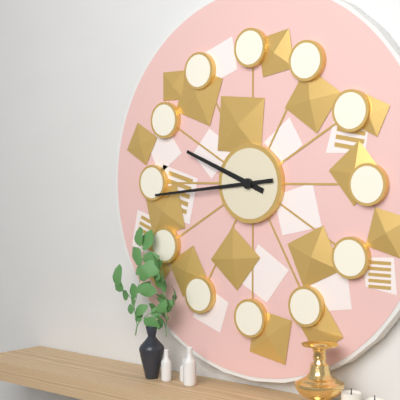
9:44
